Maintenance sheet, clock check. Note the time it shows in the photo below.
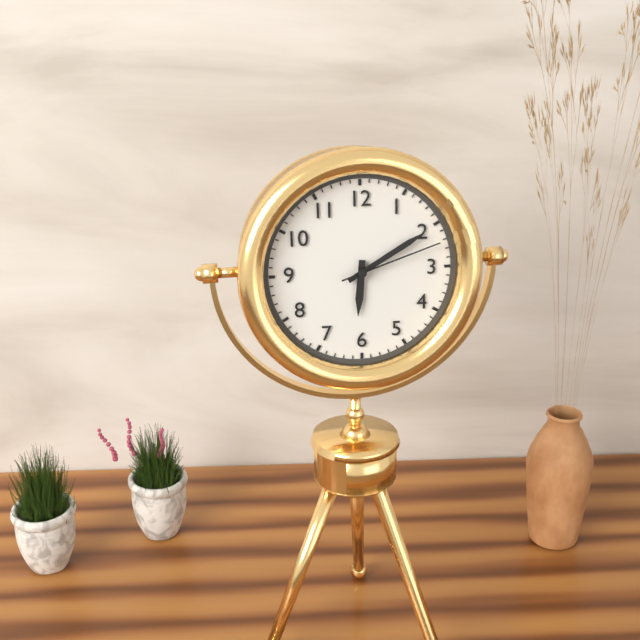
6:10:12
